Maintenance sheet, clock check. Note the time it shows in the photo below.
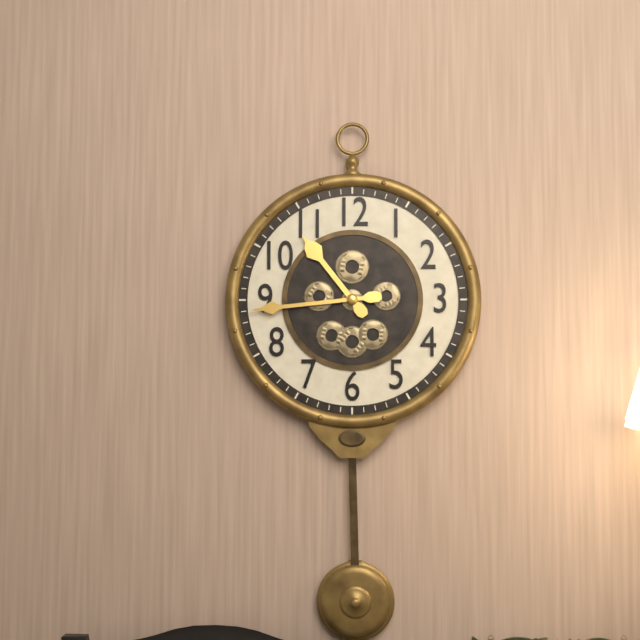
10:44
